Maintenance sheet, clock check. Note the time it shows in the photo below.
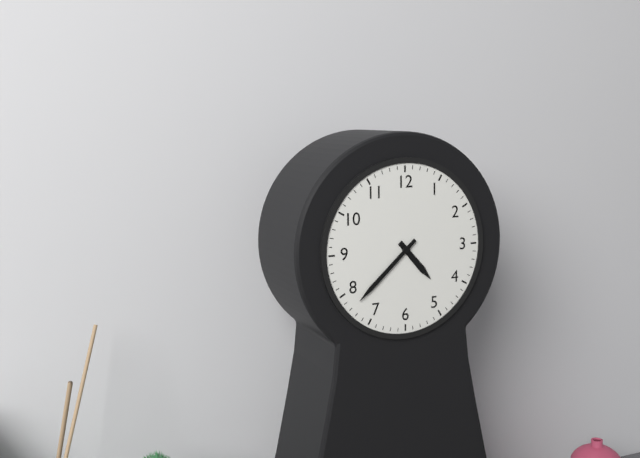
4:38
